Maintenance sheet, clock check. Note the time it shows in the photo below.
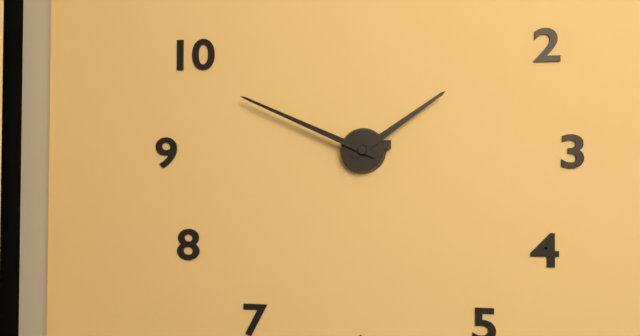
1:49
